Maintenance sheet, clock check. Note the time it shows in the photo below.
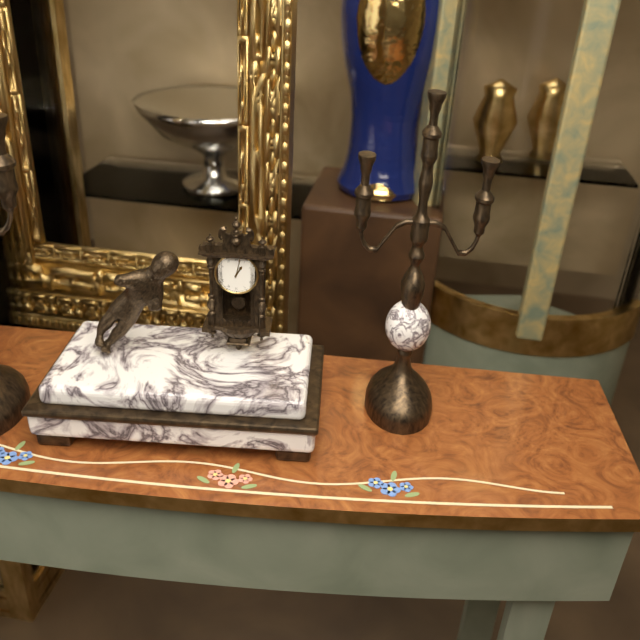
1:02
